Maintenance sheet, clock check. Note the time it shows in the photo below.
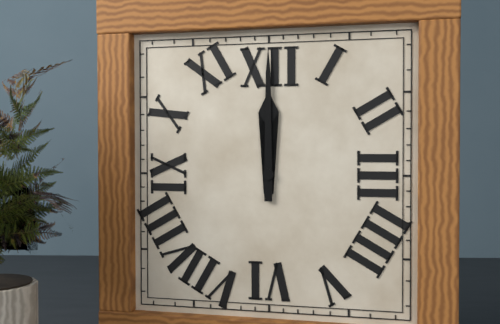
12:00
